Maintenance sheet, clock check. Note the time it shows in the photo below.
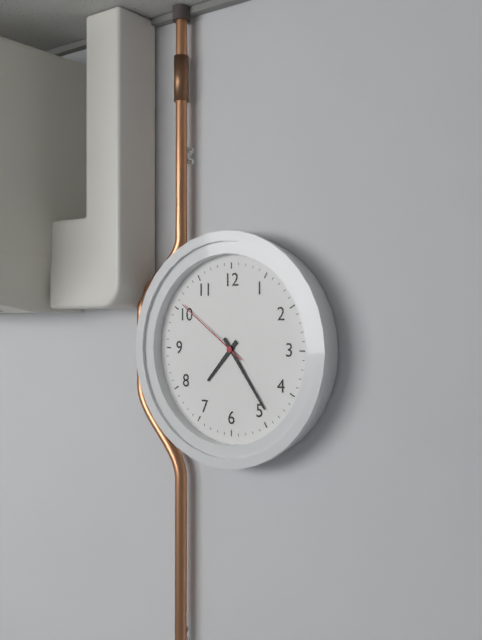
7:24:51
